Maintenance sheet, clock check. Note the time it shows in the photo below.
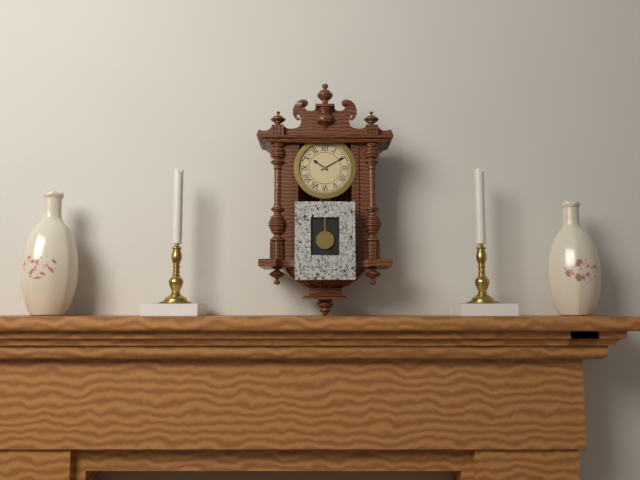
10:10
